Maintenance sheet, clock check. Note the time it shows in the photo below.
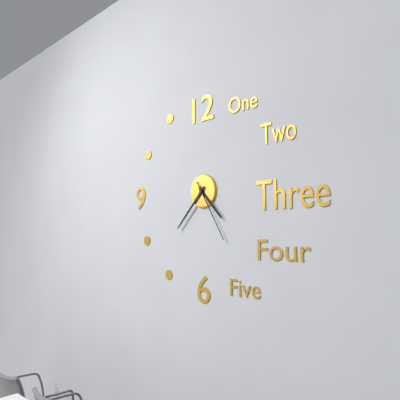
4:37:25
